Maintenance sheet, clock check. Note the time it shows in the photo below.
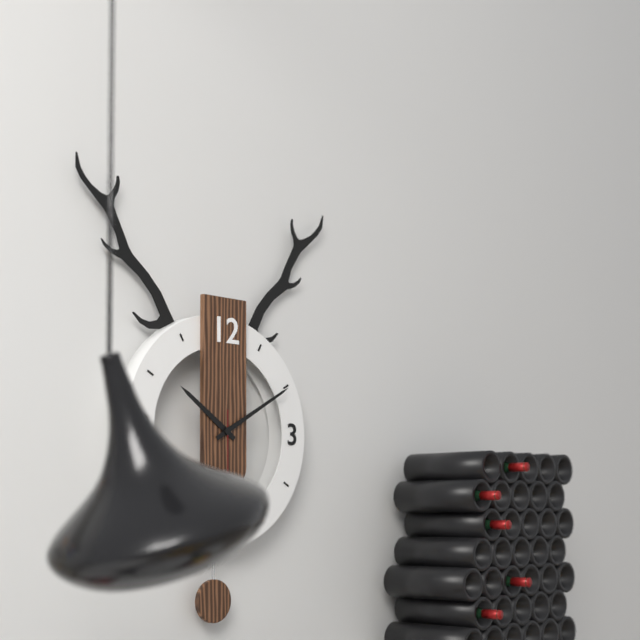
10:10
